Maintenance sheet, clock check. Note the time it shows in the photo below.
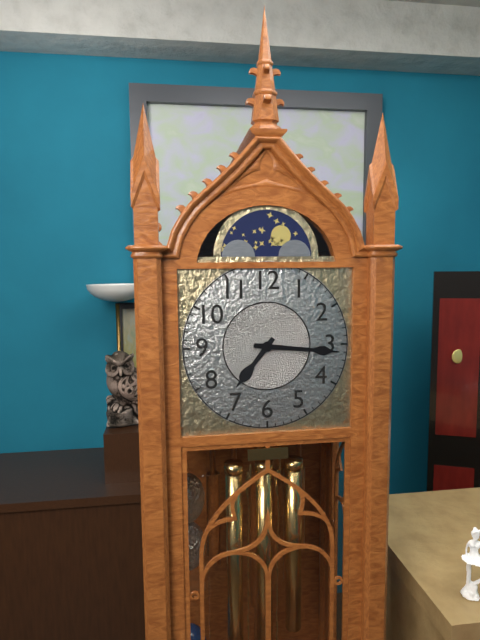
7:16
